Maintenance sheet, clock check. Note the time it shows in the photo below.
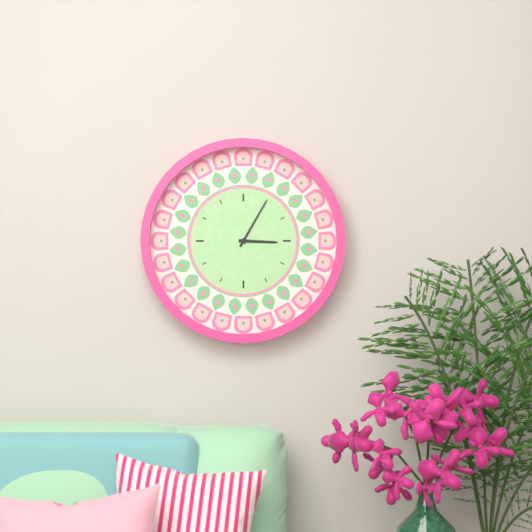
3:05
